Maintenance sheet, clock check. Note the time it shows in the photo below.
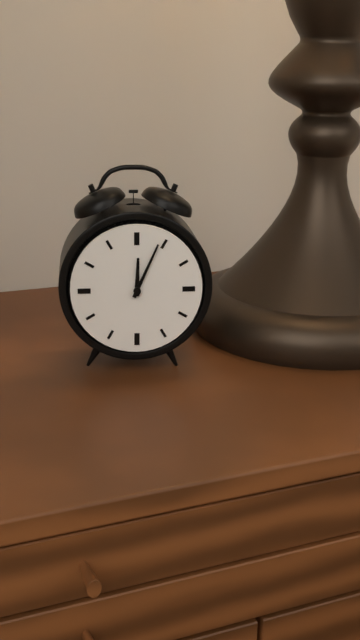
12:04
